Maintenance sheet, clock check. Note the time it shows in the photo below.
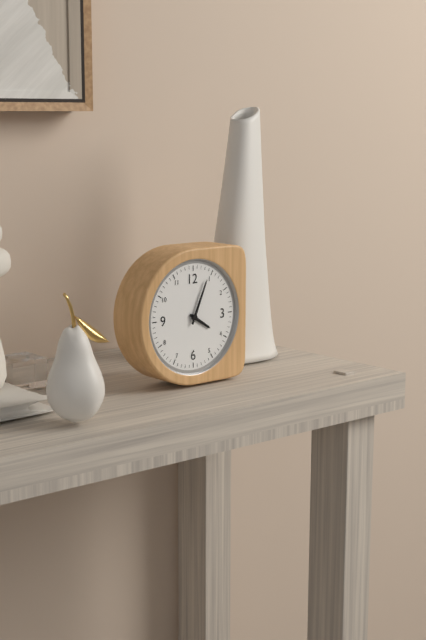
4:04
